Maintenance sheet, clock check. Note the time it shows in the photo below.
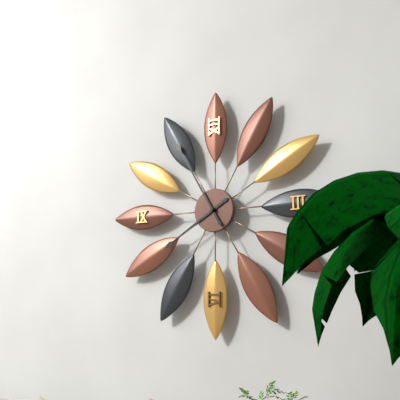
7:55
